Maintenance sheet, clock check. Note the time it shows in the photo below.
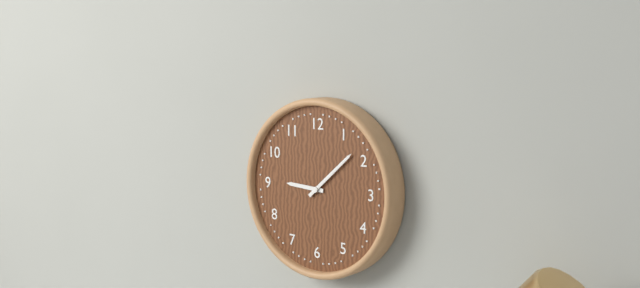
9:08
